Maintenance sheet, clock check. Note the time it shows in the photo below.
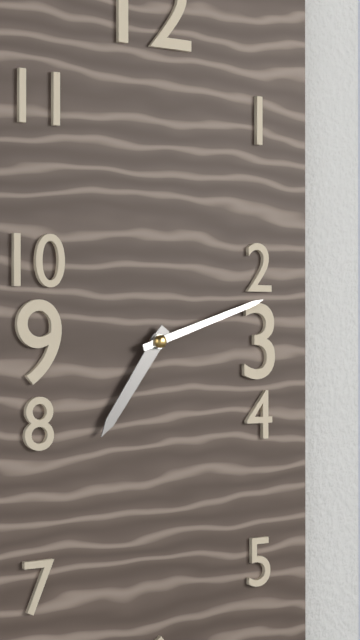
7:12
